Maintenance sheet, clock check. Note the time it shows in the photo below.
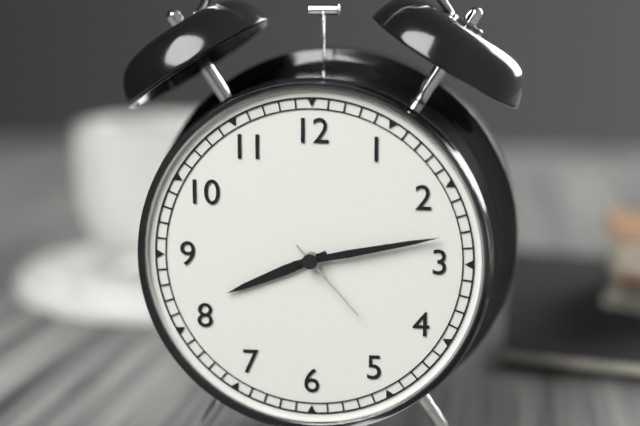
8:13:23
